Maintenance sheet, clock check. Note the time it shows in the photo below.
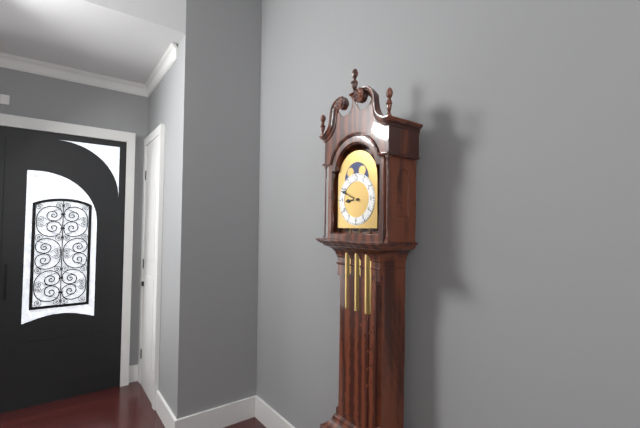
8:49
